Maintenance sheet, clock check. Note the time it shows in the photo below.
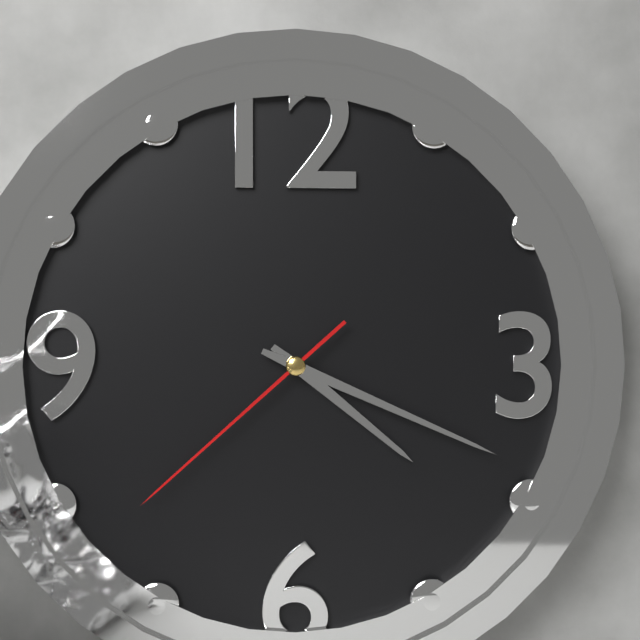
4:19:38
